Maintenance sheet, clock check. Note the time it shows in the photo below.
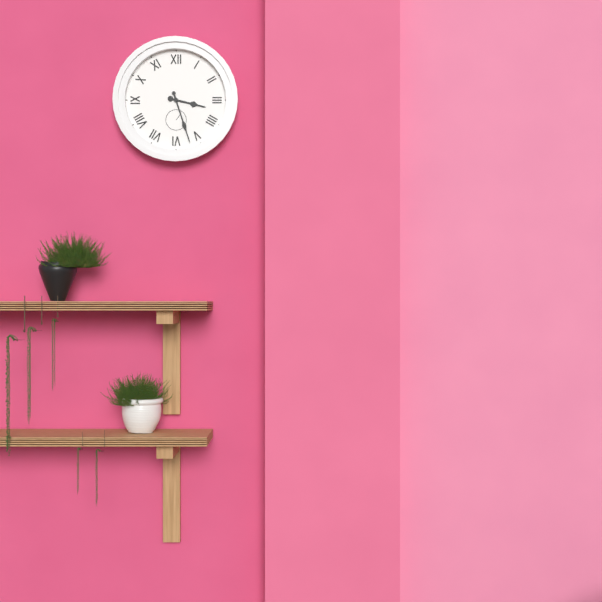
3:27
